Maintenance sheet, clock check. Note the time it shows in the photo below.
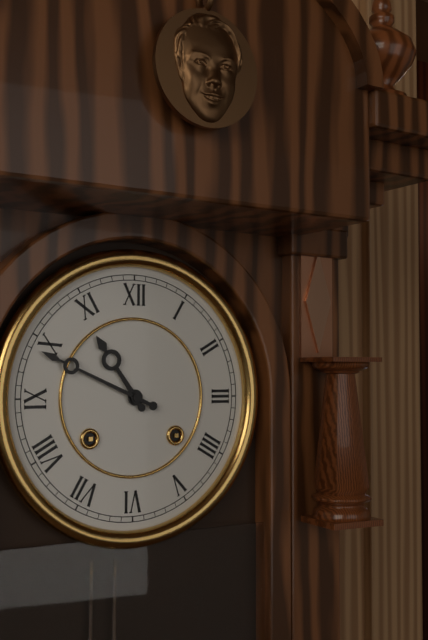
10:49
